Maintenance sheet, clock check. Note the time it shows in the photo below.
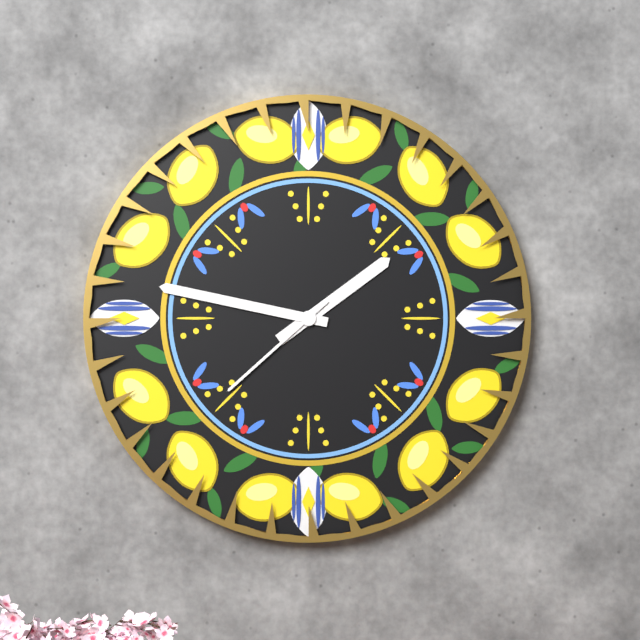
1:47:38
